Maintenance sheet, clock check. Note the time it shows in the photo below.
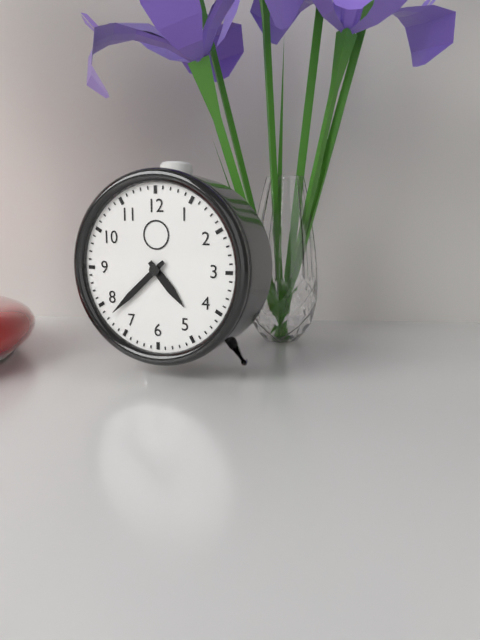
4:38
